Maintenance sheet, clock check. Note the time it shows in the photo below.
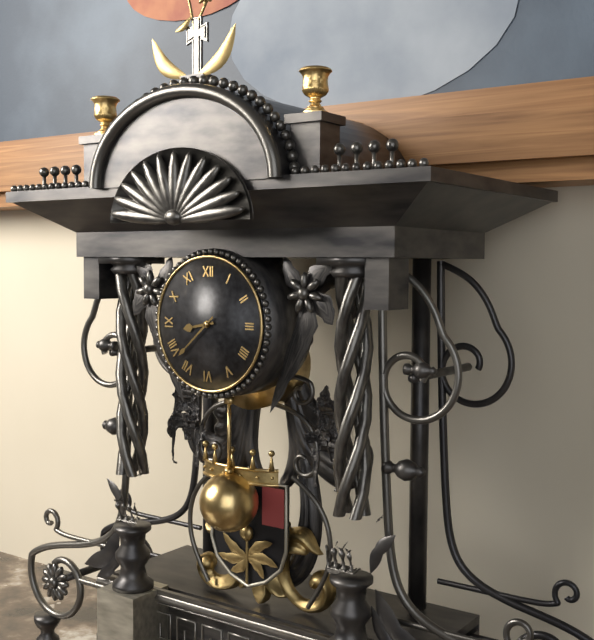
8:38
